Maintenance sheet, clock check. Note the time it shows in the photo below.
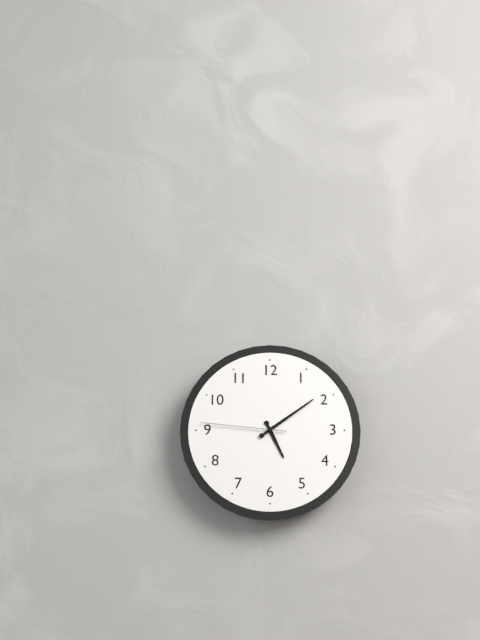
5:09:46
